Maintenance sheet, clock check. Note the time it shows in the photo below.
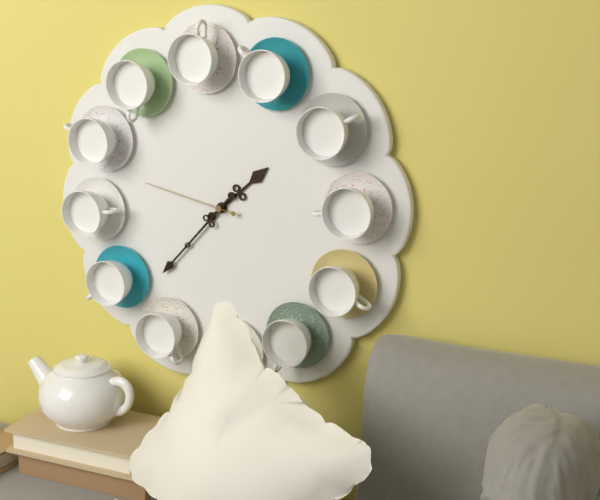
1:37:47
